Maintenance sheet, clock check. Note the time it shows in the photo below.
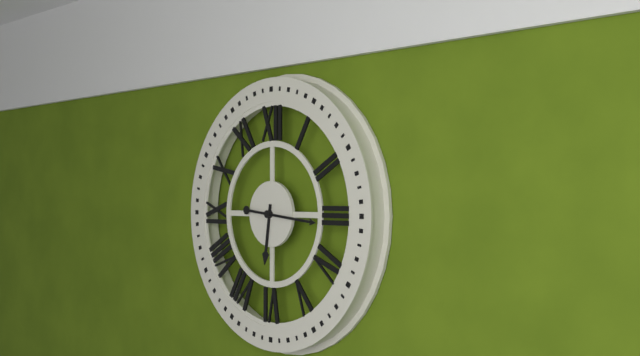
6:16
